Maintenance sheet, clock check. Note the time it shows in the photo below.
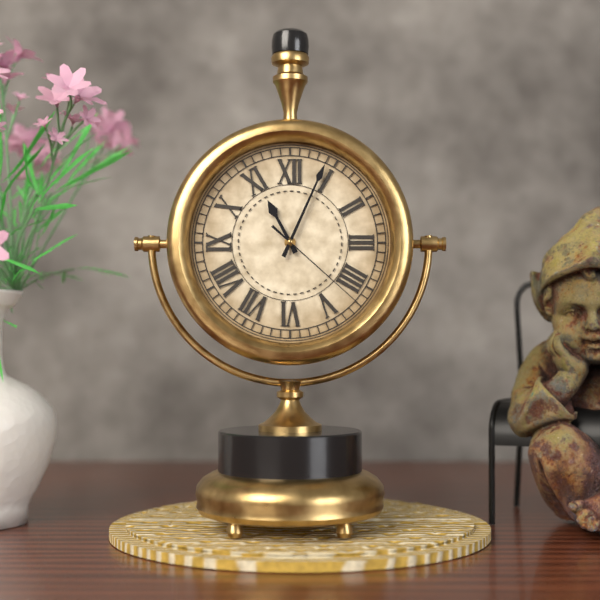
11:04:22
